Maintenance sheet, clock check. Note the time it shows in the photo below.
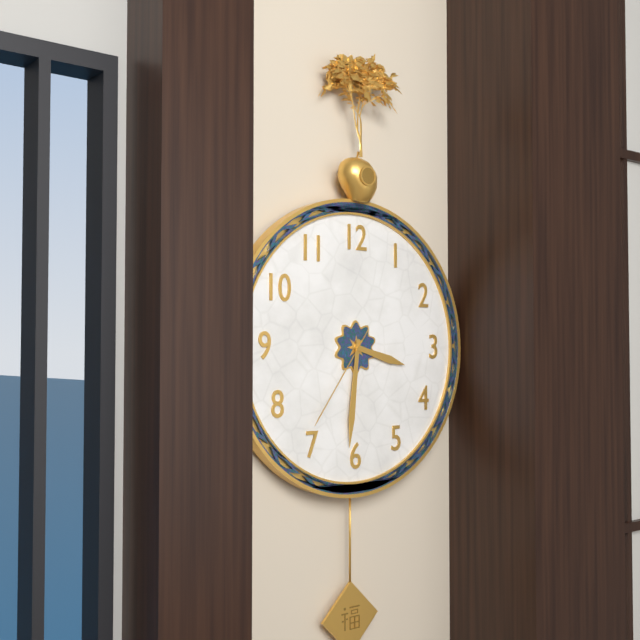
3:31:36
